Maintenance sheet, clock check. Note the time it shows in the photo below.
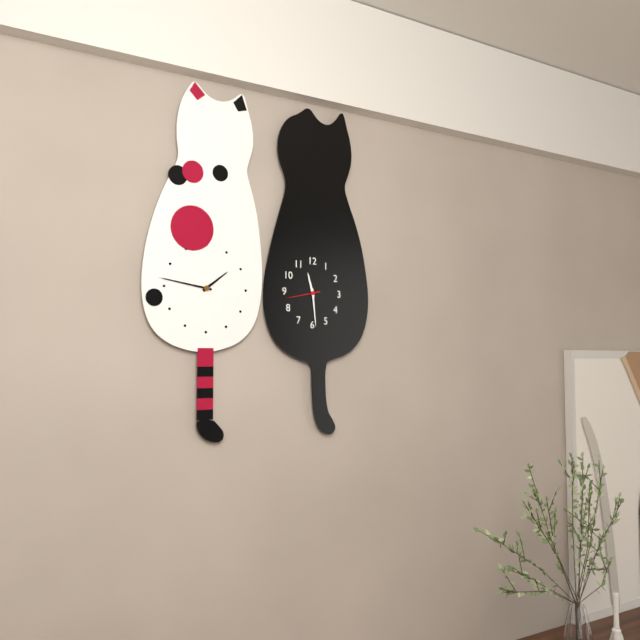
11:29
